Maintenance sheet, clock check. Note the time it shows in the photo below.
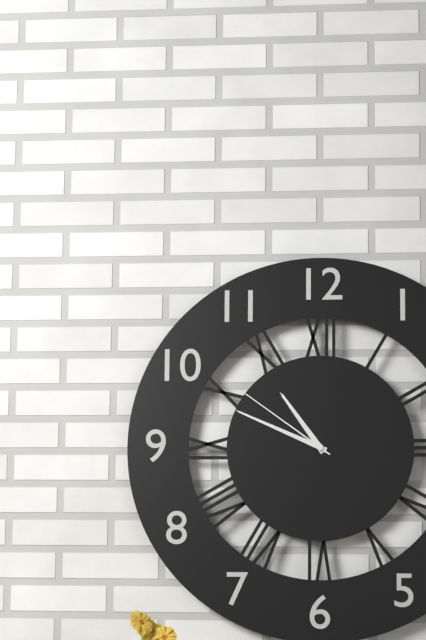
10:49:51
